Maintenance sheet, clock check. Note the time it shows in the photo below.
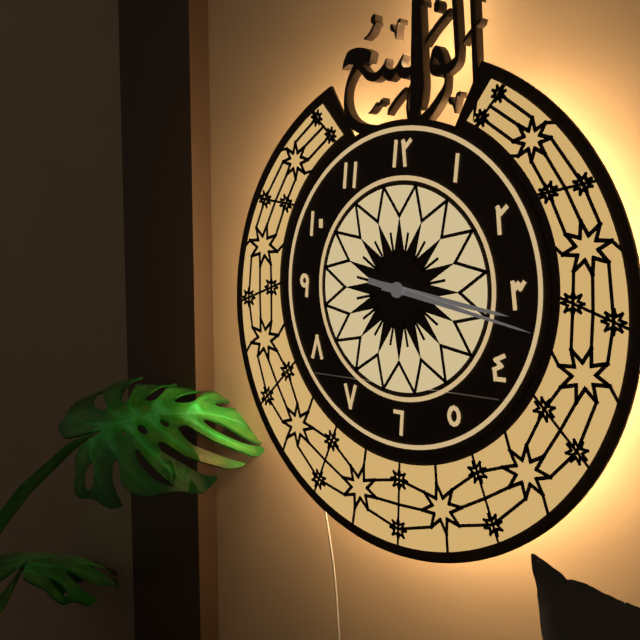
3:17
